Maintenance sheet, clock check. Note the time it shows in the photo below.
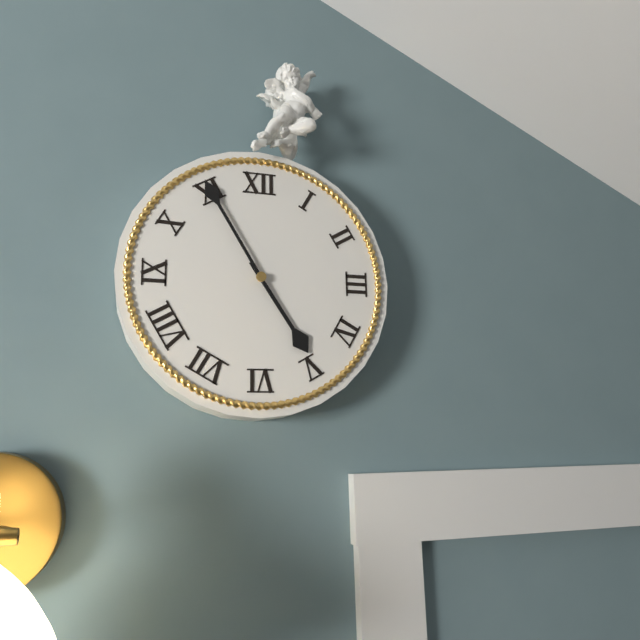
4:55
